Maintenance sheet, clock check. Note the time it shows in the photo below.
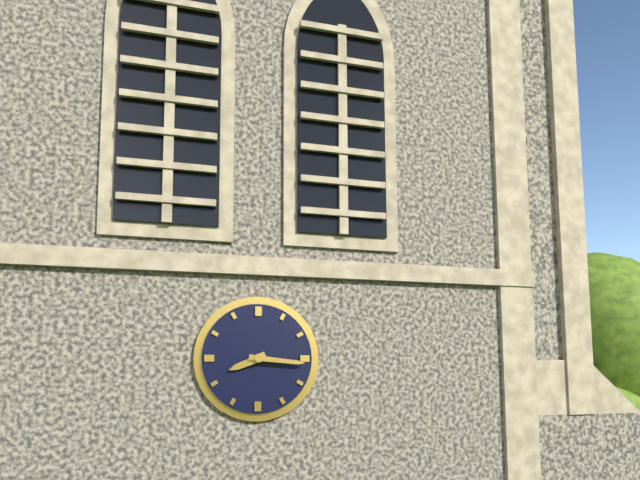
8:16
